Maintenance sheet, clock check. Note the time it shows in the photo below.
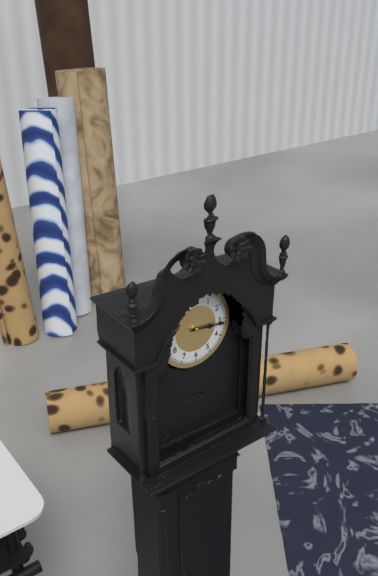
3:16
